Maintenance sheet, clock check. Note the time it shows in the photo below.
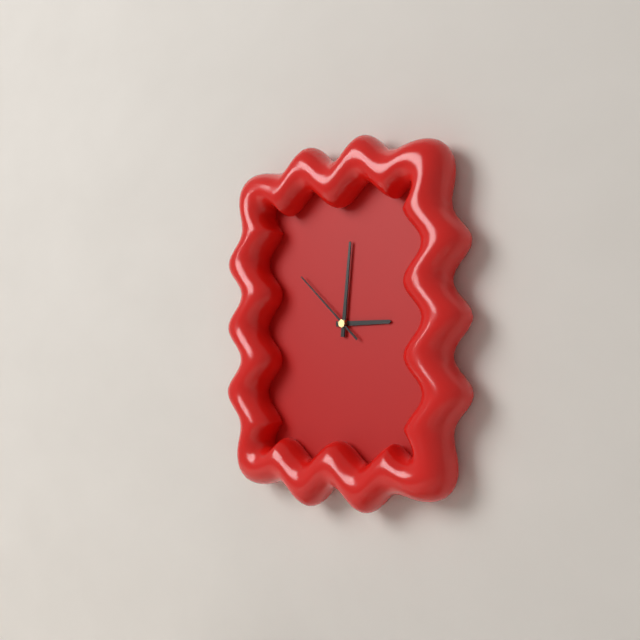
3:01:52
